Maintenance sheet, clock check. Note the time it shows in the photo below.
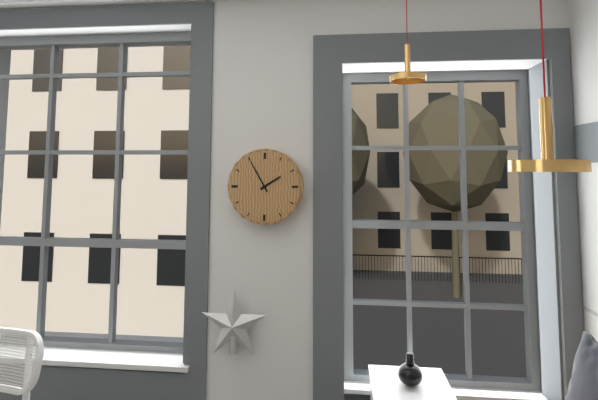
1:55
